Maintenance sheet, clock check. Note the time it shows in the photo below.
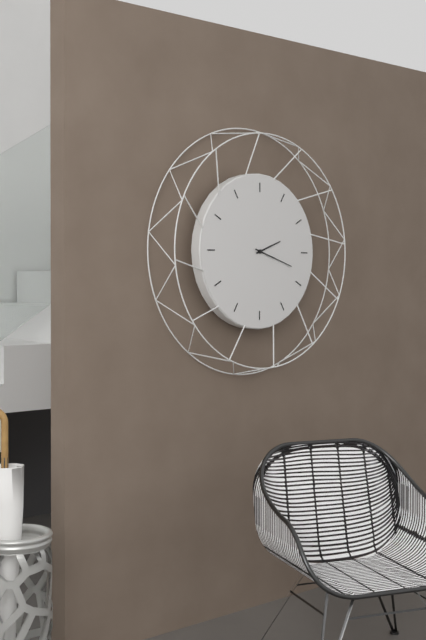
2:18
